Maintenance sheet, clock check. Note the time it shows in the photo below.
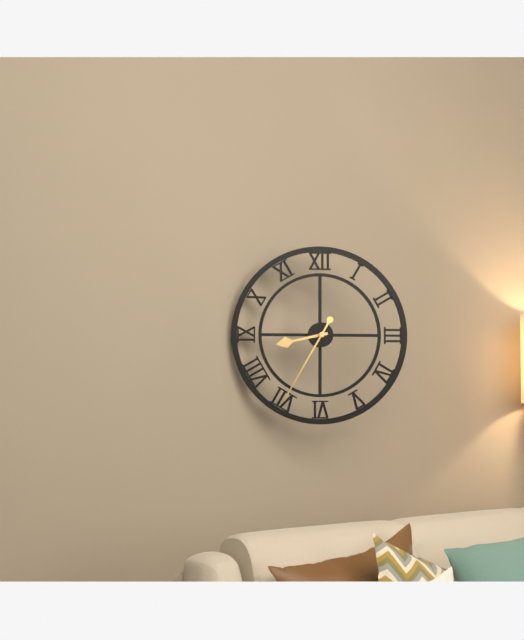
8:35
